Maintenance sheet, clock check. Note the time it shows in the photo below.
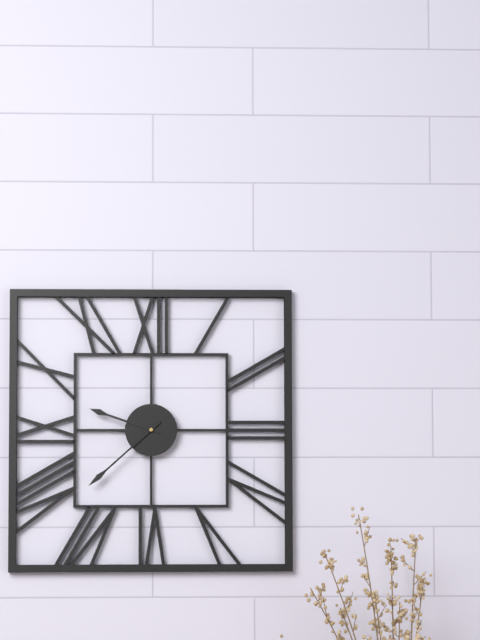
9:38
